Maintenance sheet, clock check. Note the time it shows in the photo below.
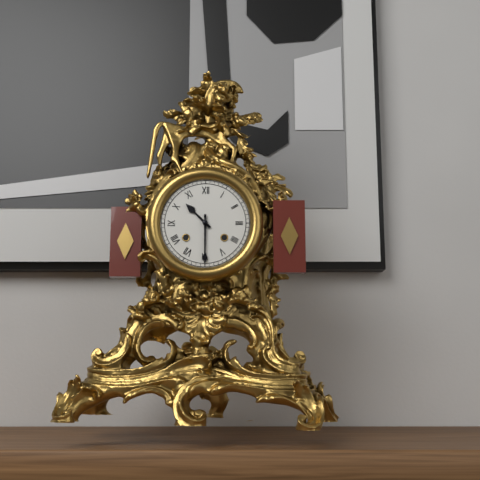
10:30
